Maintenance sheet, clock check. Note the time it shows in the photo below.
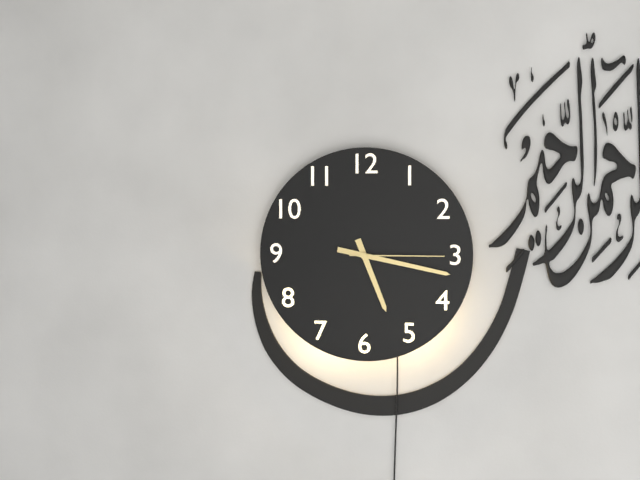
5:17:15
